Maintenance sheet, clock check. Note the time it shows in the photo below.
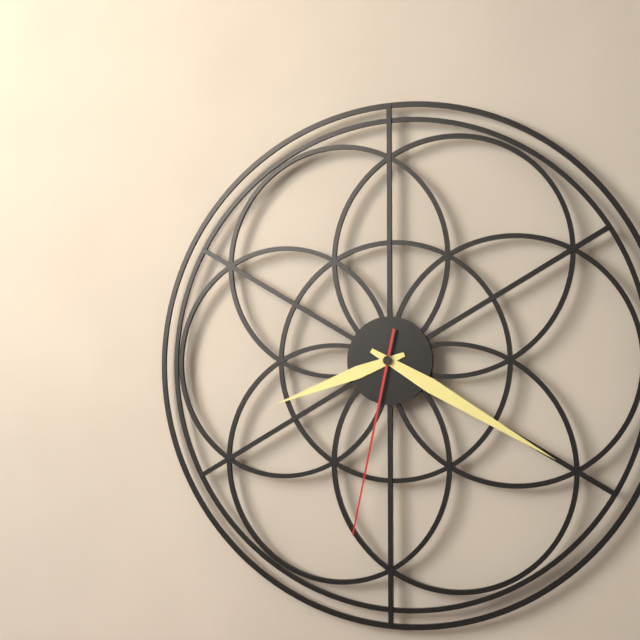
8:20:32
